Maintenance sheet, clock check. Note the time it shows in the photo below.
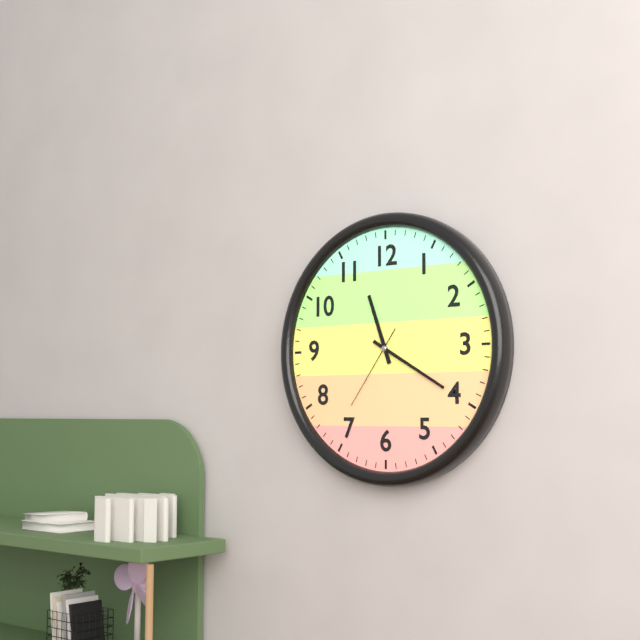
11:20:36
